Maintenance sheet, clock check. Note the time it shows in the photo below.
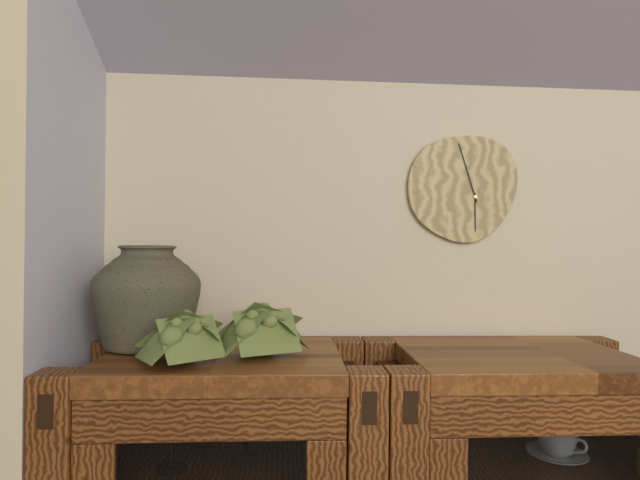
5:57
